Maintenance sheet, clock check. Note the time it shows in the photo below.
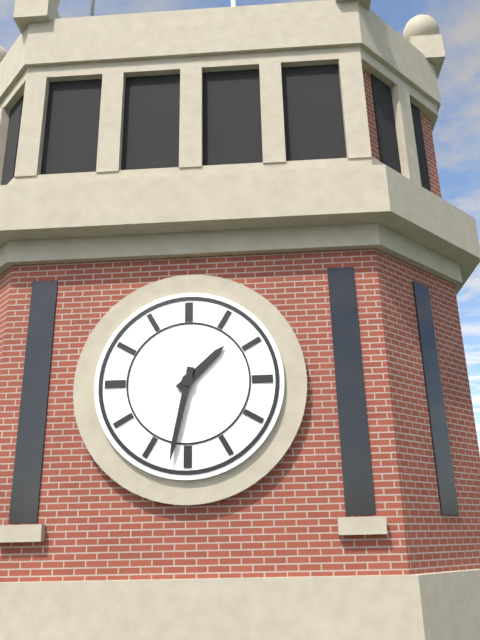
1:32
